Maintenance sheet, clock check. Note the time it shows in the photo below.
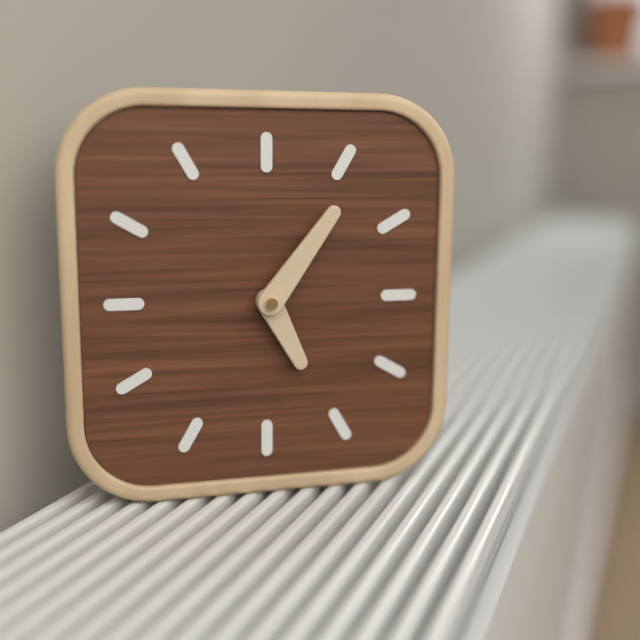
5:06
